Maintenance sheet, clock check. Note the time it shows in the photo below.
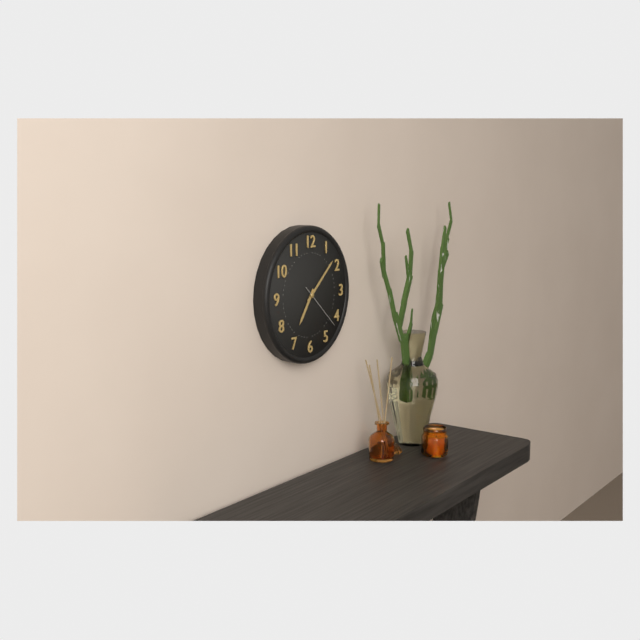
7:08:22
